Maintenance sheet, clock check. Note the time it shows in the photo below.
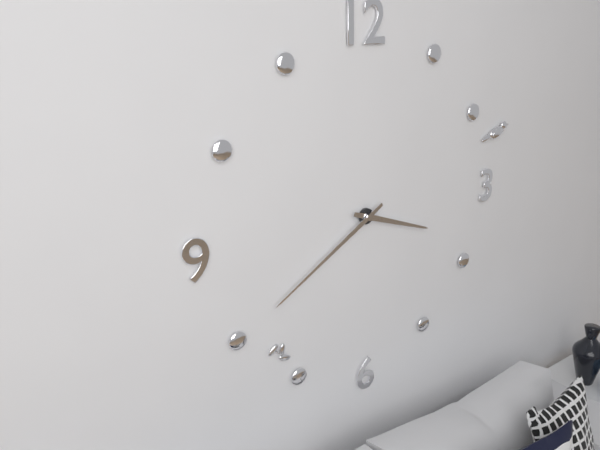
3:40
